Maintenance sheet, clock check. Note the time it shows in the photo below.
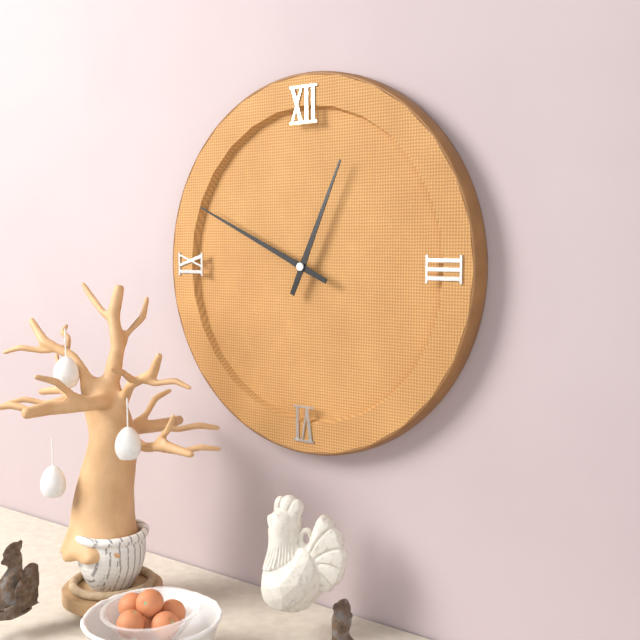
12:49
